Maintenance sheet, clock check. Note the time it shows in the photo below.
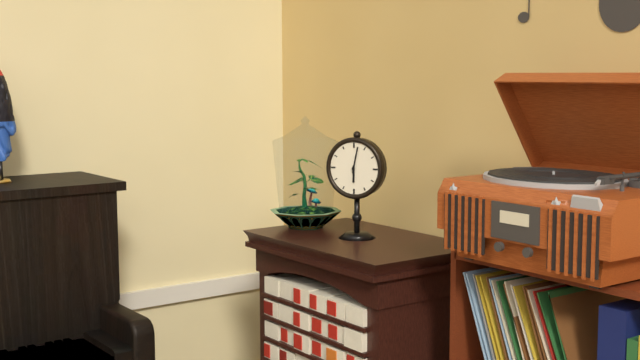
6:02
